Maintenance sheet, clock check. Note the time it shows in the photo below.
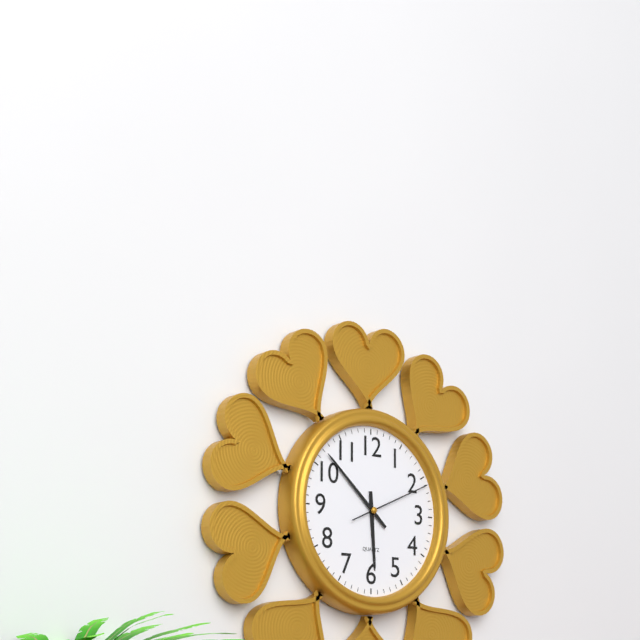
5:52:11
